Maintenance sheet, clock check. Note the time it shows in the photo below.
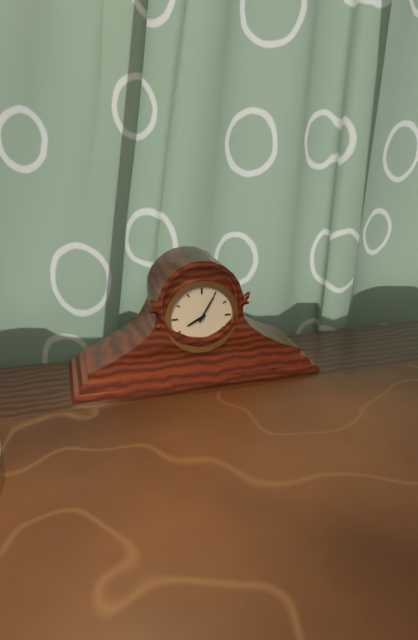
8:05
